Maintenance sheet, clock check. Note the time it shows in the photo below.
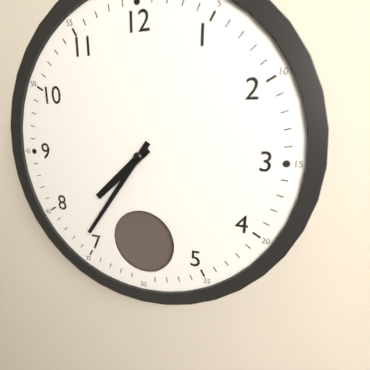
7:36
